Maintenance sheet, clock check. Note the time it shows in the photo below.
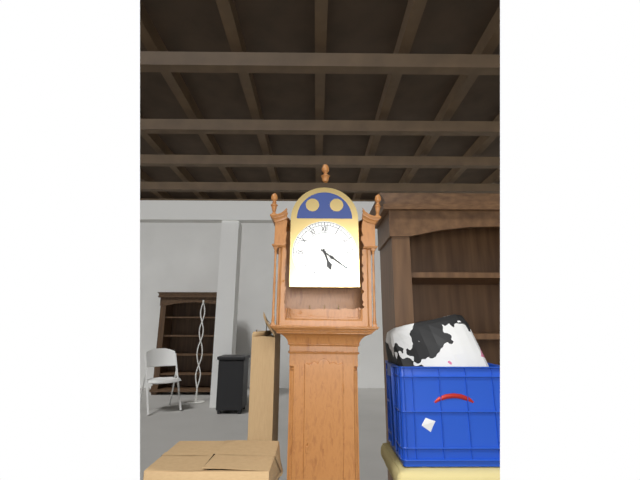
5:21
